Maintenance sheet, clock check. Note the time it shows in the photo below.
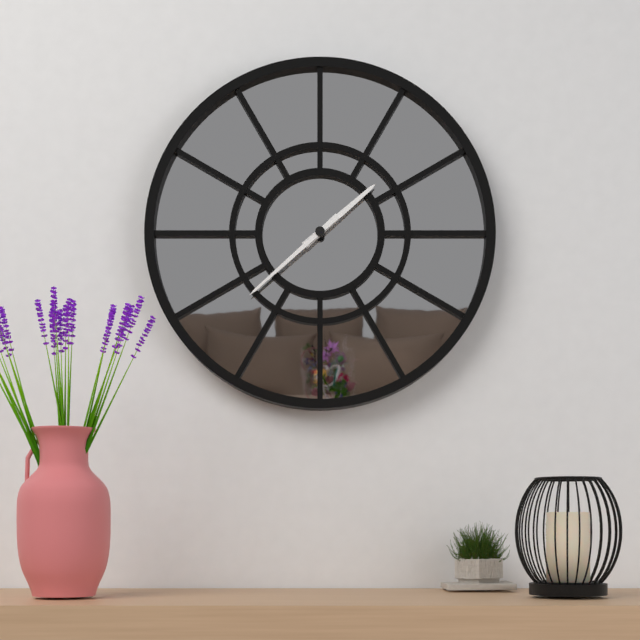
1:38
